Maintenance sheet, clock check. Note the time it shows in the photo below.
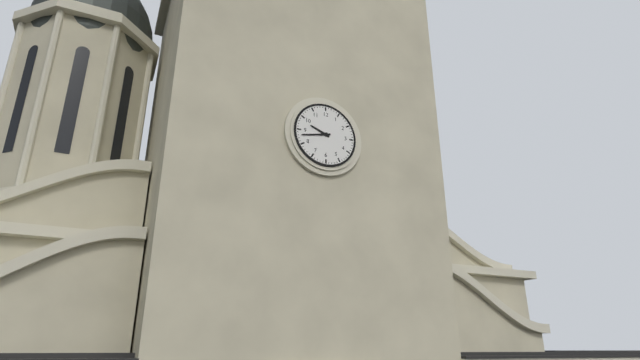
9:43
